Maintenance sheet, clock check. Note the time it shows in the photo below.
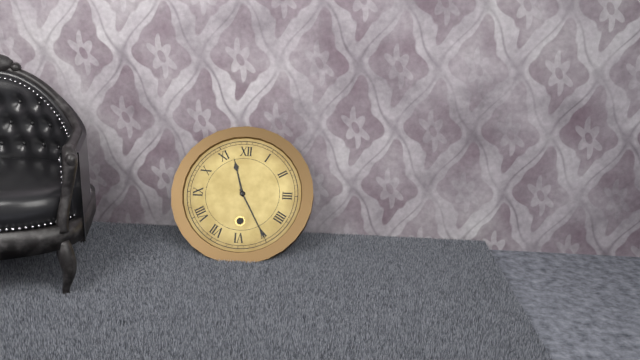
11:25
